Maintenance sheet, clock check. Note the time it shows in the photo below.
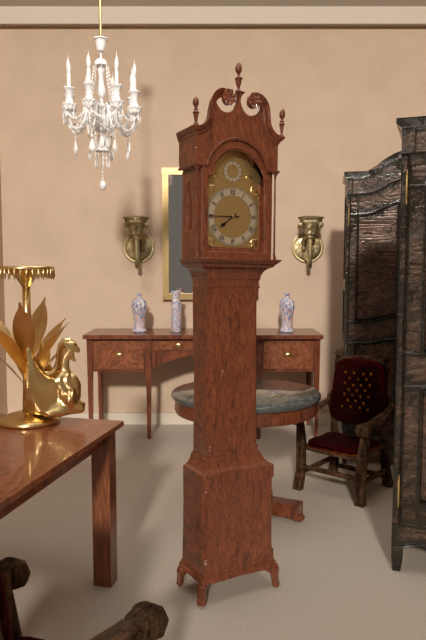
7:45
